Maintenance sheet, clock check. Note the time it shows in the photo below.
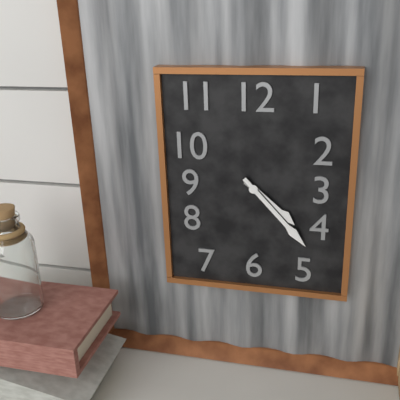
4:23
